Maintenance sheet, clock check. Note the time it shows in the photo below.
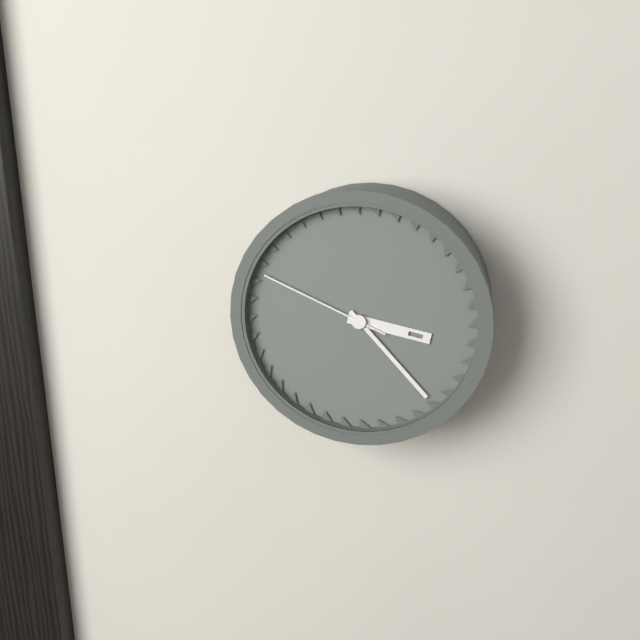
3:23:49
